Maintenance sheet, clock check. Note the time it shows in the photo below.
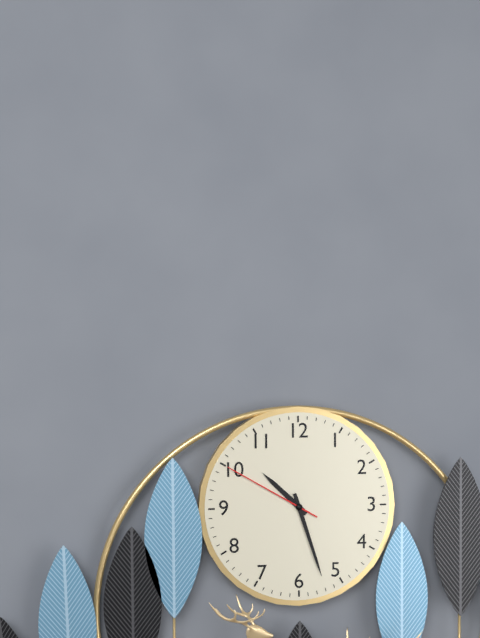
10:27:50
